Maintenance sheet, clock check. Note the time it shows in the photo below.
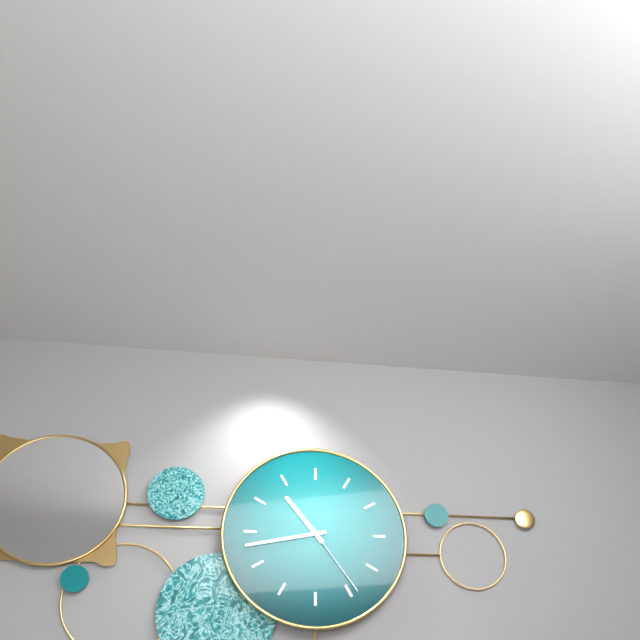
10:43:24
